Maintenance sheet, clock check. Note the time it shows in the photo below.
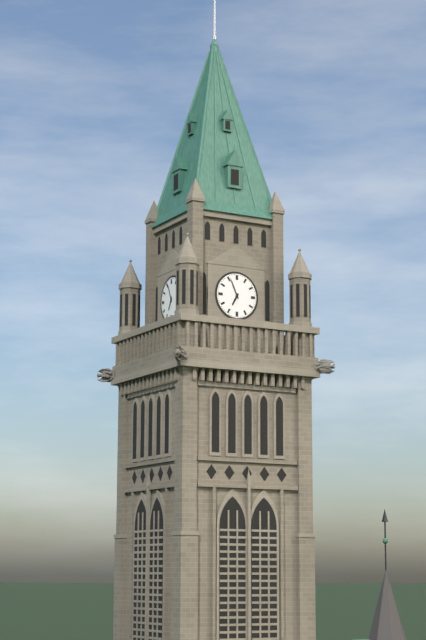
6:56
